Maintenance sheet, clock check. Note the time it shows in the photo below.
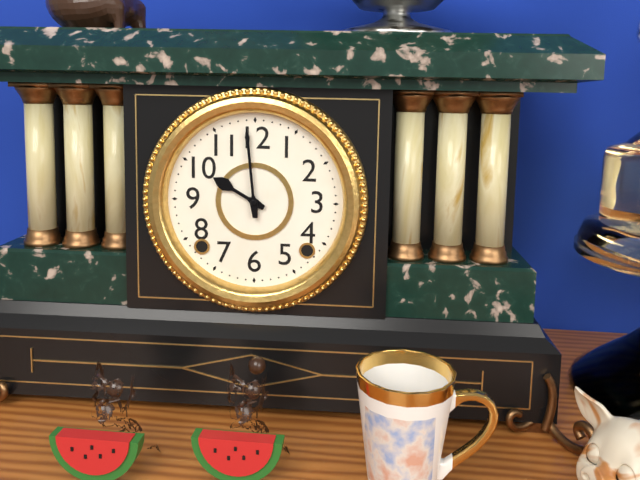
9:59
